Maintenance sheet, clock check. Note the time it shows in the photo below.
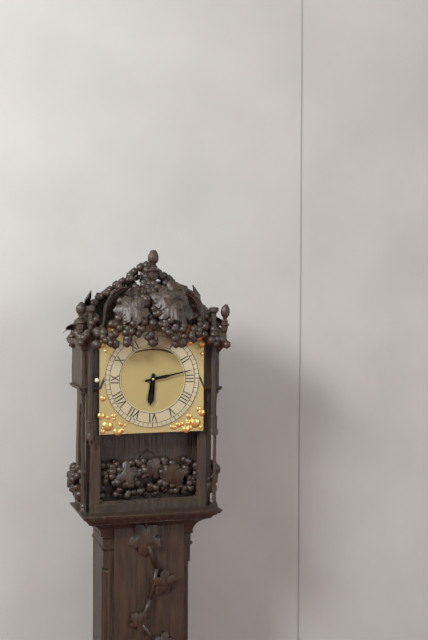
6:13
